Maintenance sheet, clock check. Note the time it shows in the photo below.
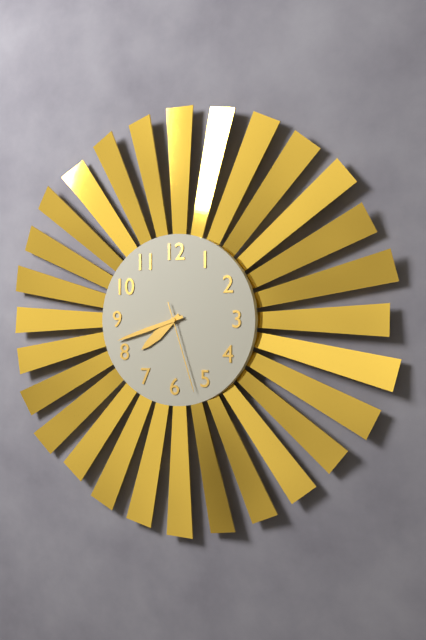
7:42:27
